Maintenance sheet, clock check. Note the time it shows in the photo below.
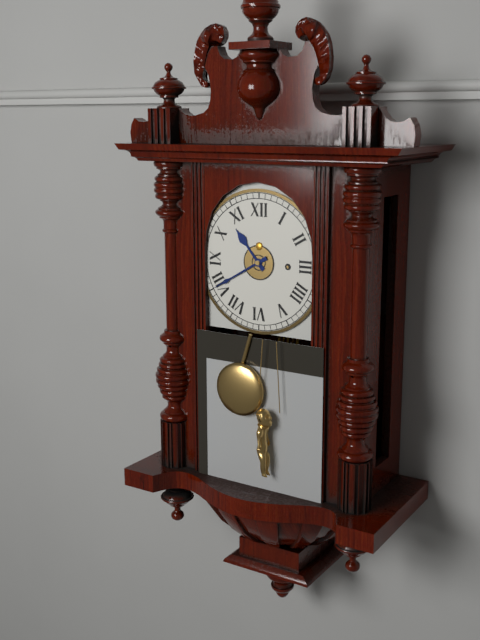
10:40
